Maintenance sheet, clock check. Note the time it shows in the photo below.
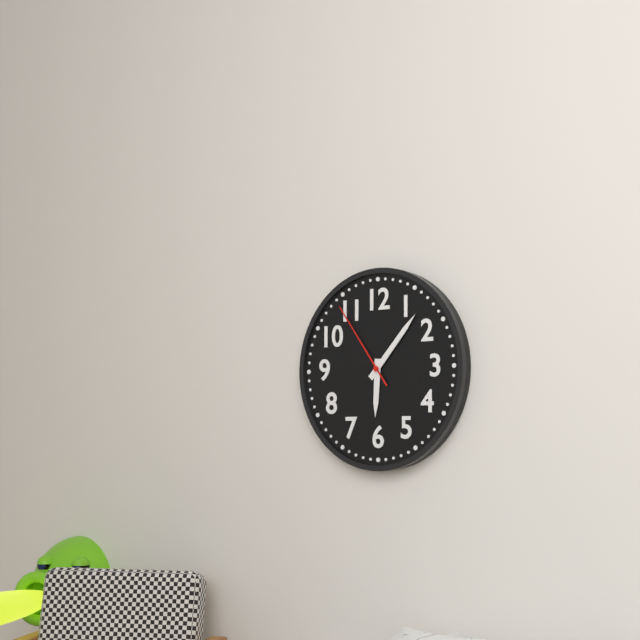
6:07:54
